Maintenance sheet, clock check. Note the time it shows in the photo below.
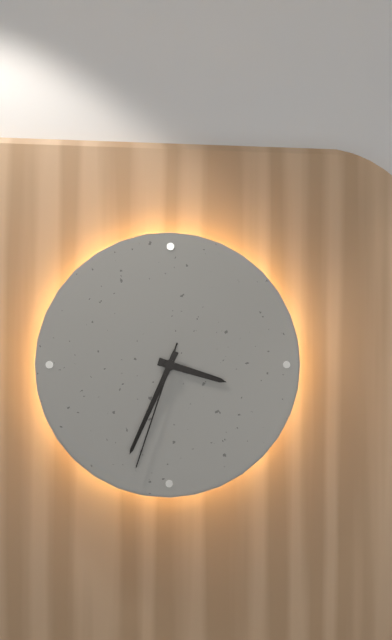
3:34:33
